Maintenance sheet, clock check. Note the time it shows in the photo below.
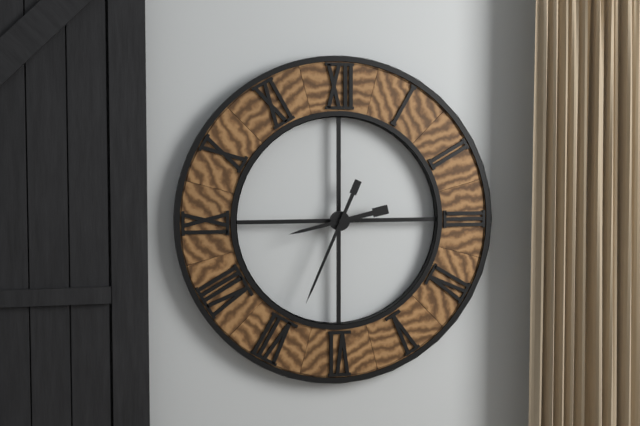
8:34
